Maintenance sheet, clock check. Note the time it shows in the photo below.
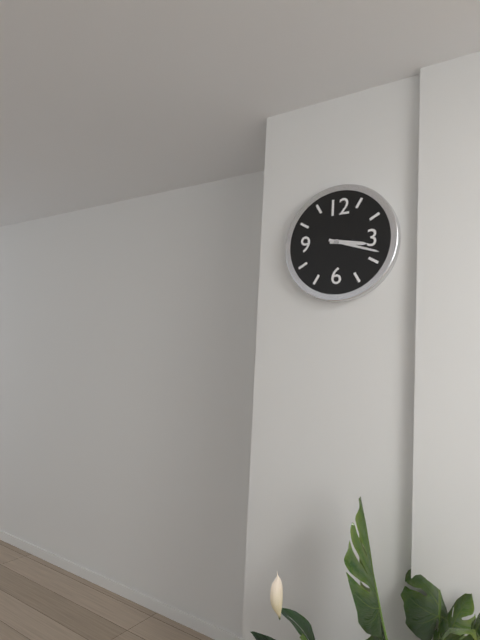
3:18
